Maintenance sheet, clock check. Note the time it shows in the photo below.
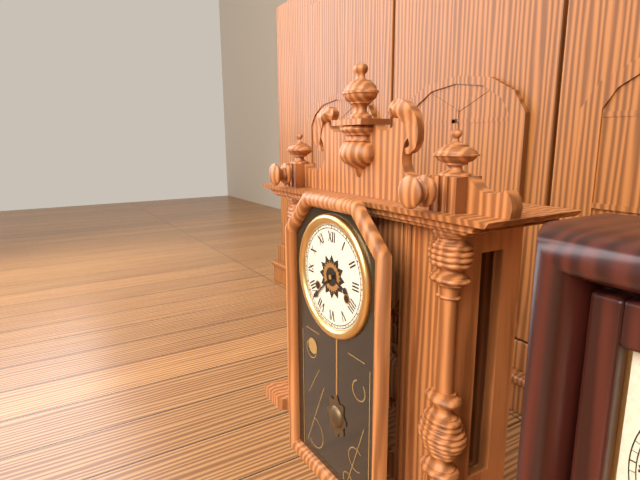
3:38
